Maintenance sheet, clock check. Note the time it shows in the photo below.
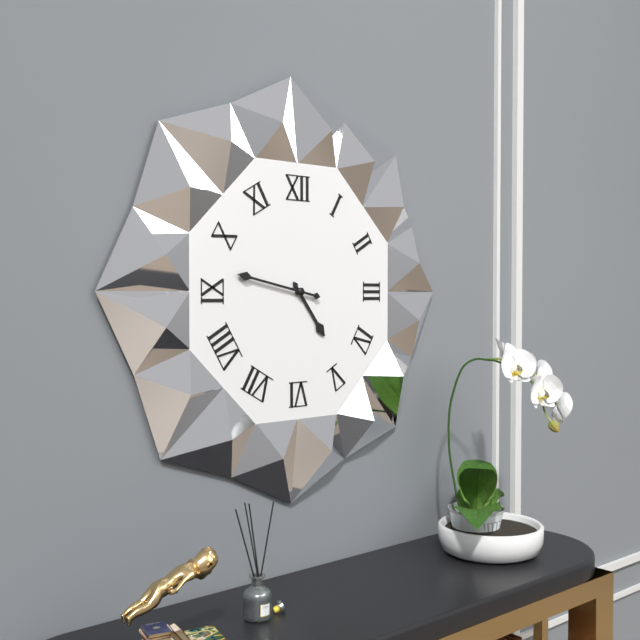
4:47
